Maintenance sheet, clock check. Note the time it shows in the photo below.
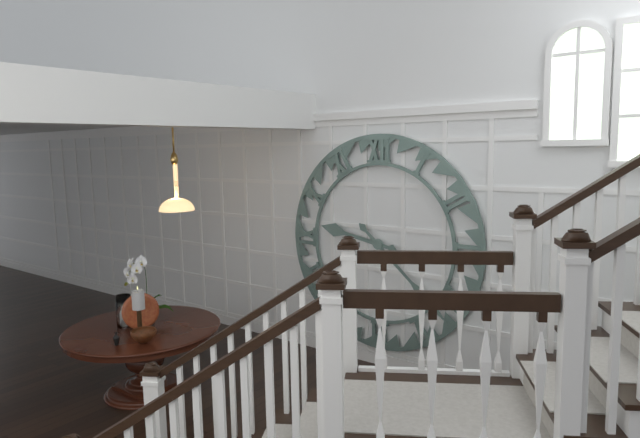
9:22
